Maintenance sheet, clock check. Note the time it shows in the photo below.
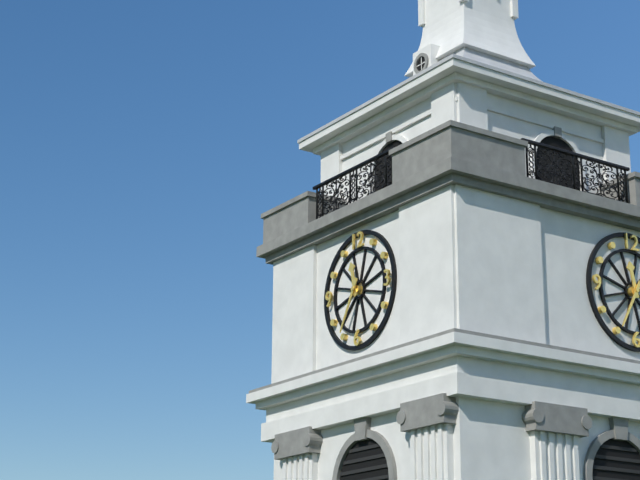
11:35
